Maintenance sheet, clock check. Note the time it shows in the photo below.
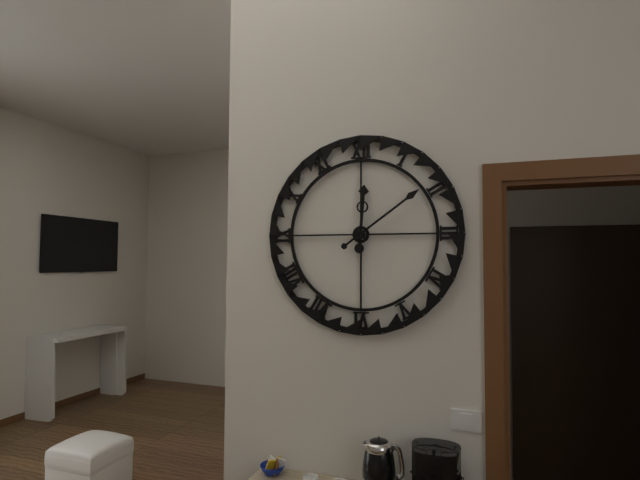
12:09
